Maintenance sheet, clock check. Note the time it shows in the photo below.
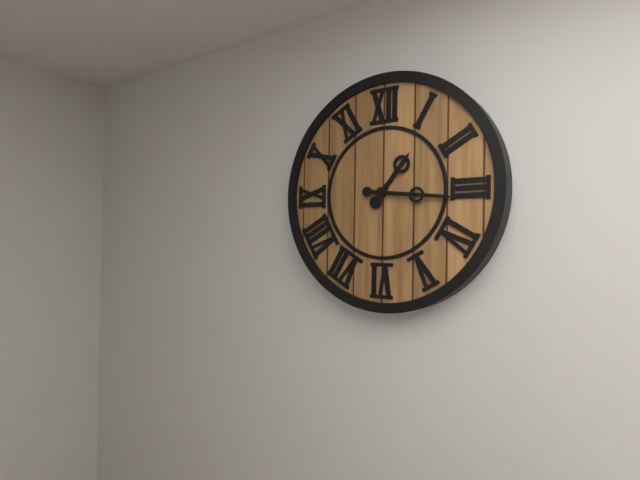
1:16
